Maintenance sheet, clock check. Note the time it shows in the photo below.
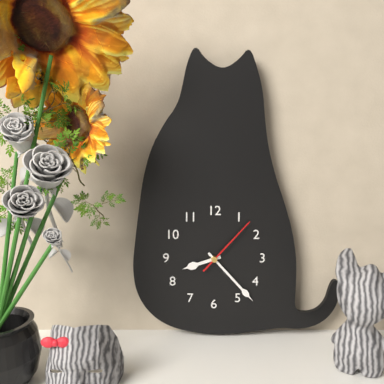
8:23:07
